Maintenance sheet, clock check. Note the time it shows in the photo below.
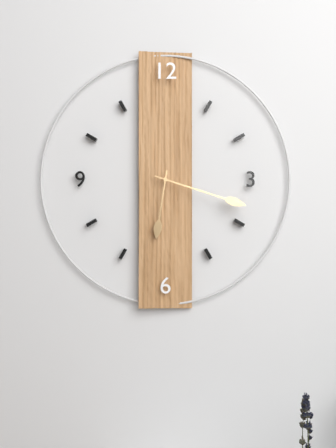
6:18
